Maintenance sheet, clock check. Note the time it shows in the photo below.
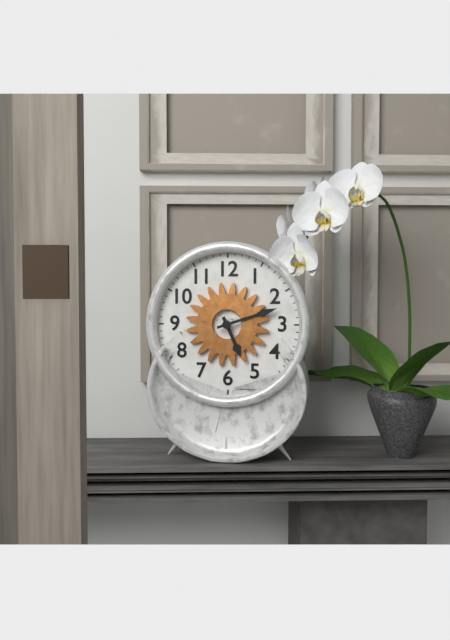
5:12
